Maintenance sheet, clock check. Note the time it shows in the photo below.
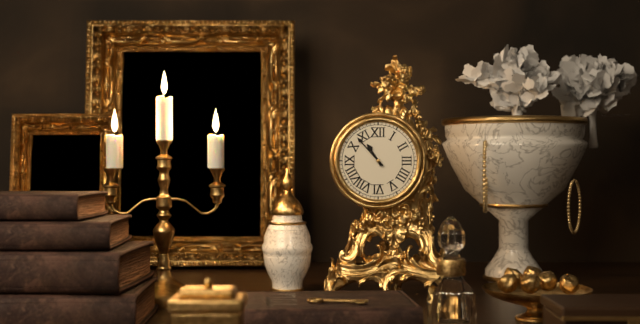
10:53
